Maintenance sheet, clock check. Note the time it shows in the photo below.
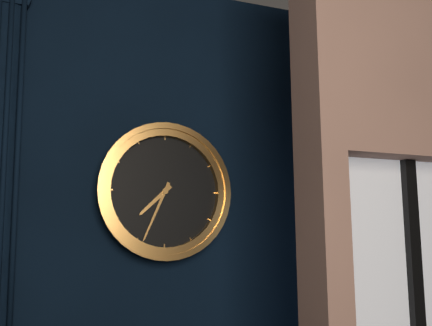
7:34
